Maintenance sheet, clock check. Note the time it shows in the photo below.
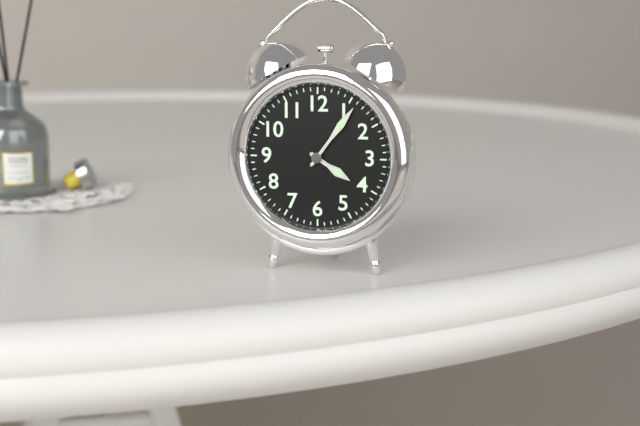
4:06
